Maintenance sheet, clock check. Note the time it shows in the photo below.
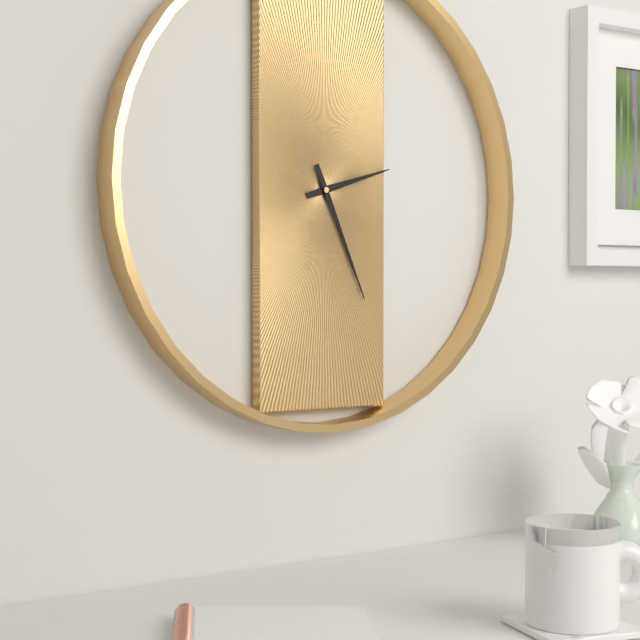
2:26
